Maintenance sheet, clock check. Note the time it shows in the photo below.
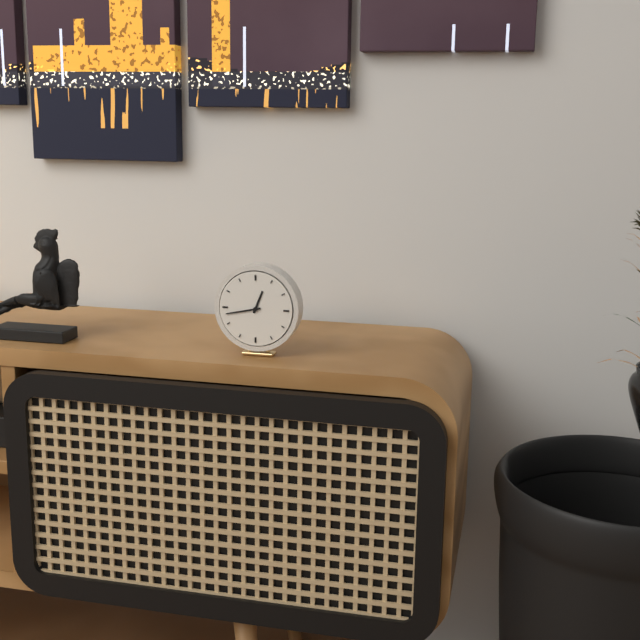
12:43
